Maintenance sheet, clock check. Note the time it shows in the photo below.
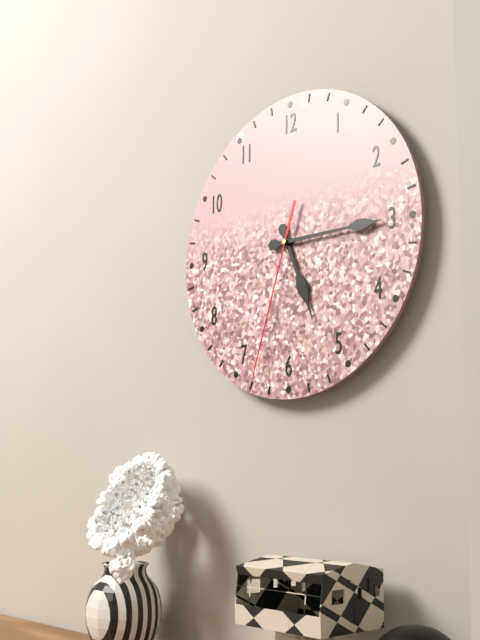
5:15:33
